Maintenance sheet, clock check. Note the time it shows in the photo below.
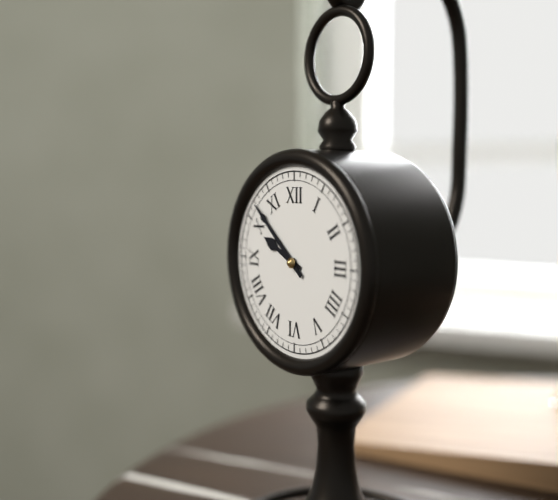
9:52
